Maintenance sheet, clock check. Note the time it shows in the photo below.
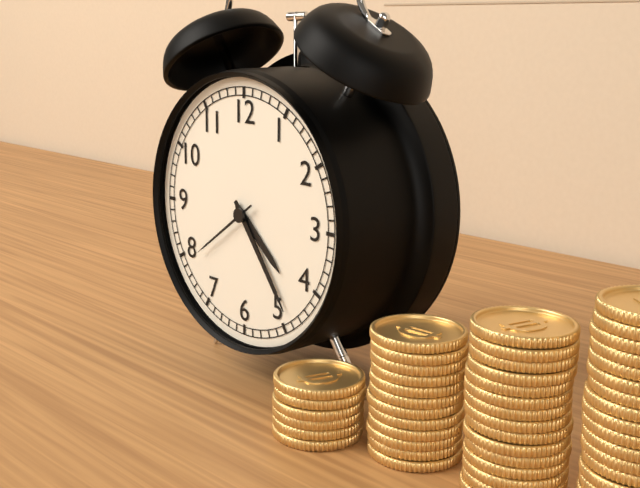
4:24:39
